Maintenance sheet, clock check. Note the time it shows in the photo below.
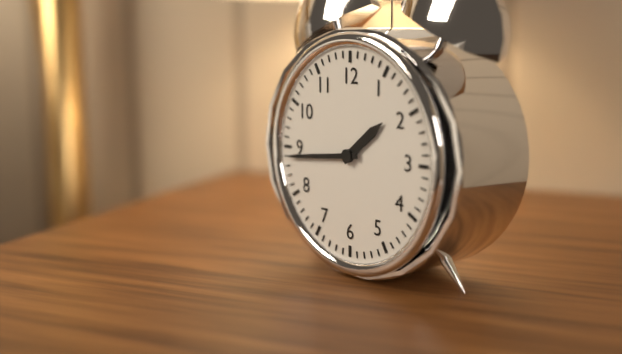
1:44
